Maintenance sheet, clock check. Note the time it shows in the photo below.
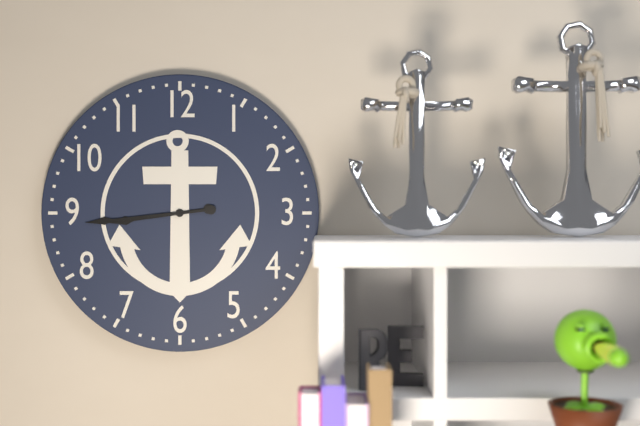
8:44
